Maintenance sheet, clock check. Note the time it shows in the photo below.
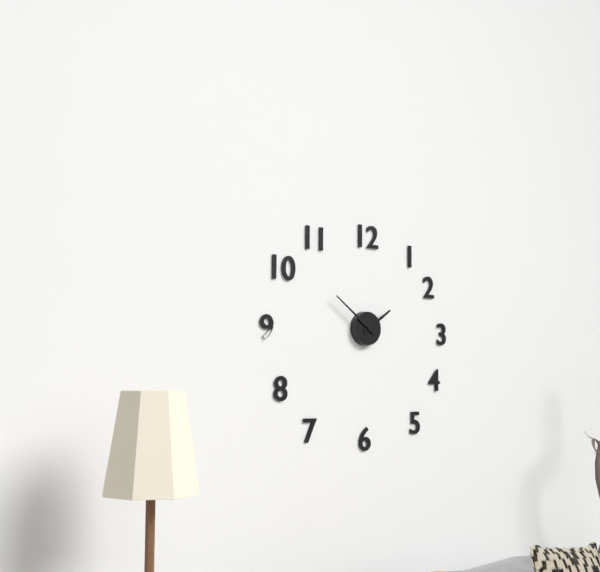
1:51
